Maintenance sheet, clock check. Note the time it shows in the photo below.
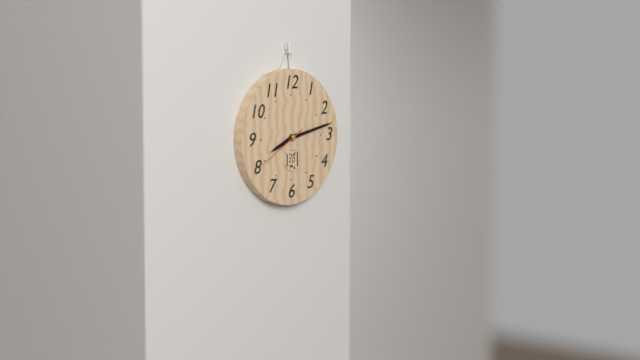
8:13
